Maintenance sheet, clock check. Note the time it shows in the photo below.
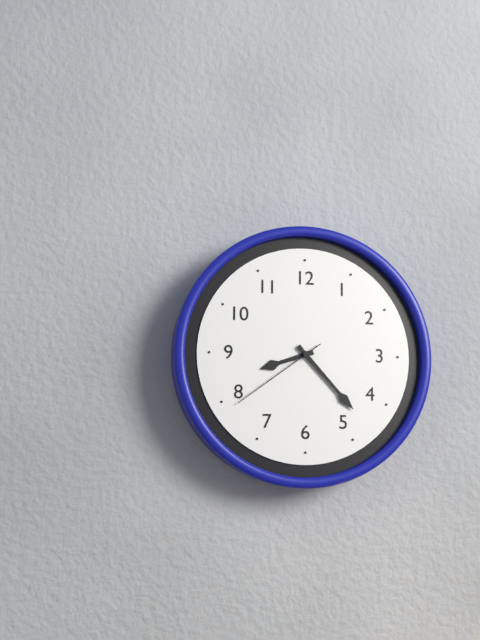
8:23:39
